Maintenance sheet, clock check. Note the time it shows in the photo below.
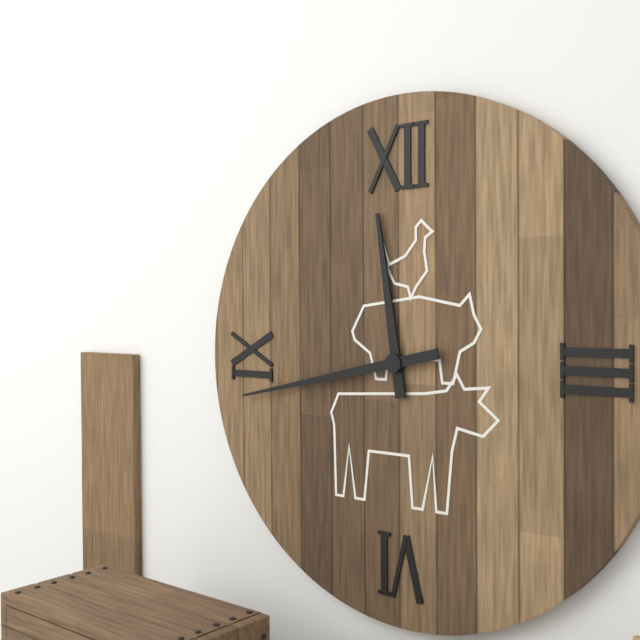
11:43
